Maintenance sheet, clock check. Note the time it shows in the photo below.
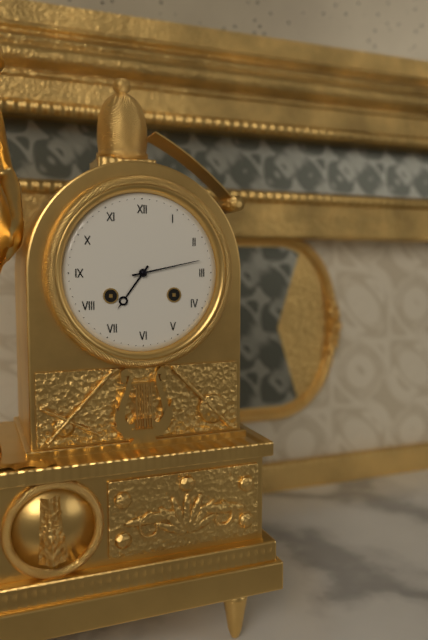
7:13
